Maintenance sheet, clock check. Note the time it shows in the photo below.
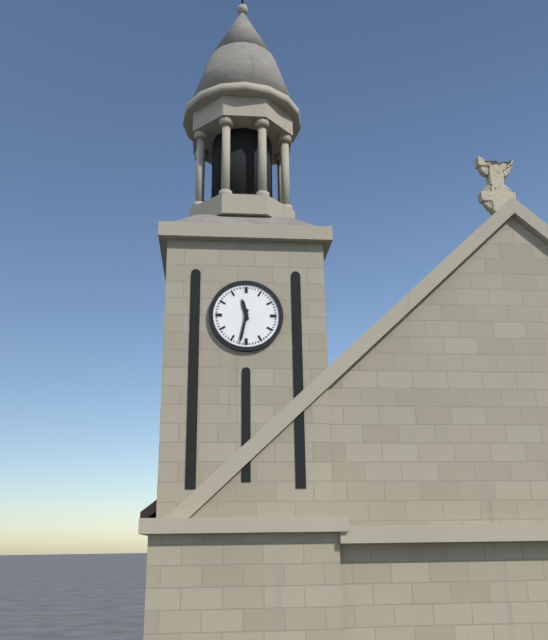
11:32
